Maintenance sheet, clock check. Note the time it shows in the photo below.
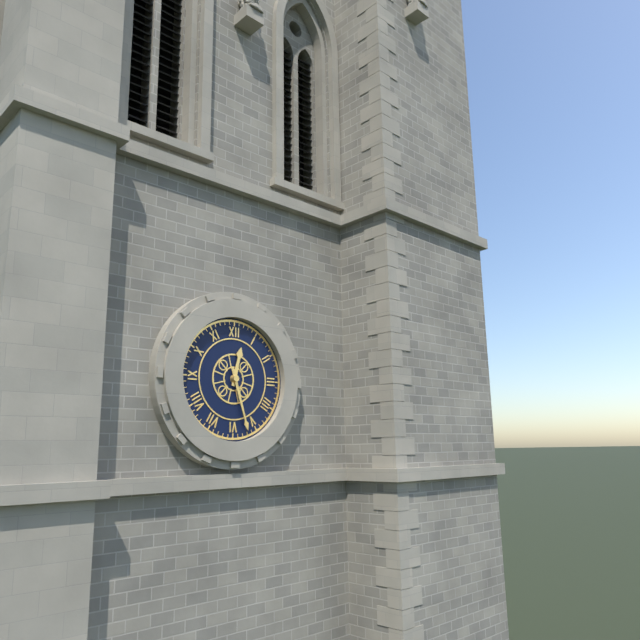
12:27
